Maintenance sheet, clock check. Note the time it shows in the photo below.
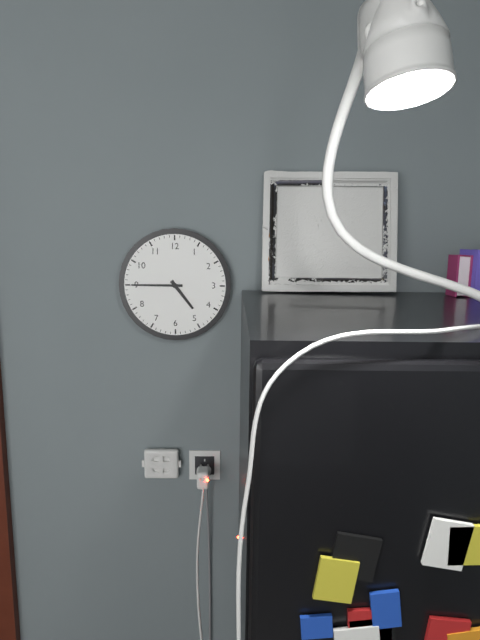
4:45
